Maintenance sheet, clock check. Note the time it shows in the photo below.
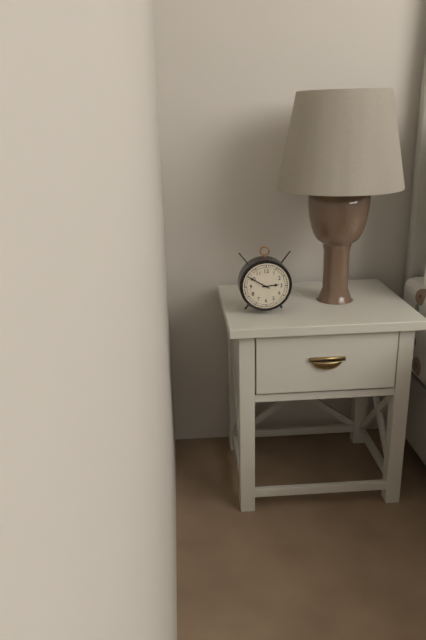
2:50
